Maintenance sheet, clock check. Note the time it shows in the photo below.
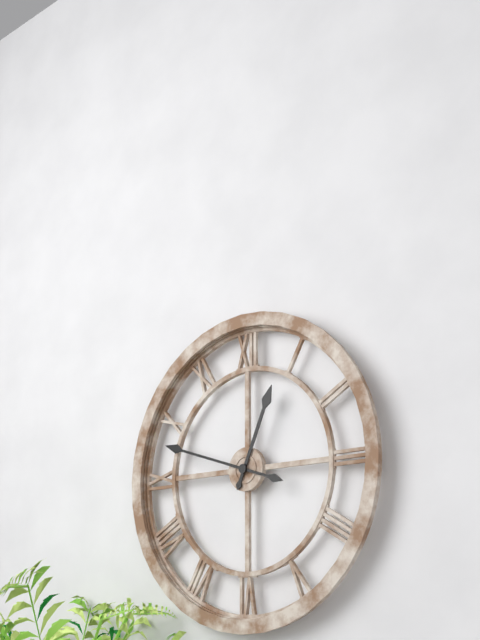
12:48
